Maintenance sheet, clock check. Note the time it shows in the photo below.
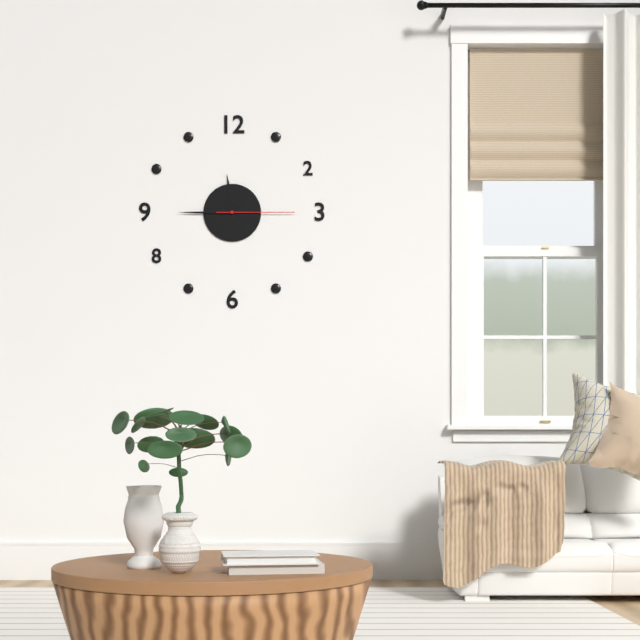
11:45:15
